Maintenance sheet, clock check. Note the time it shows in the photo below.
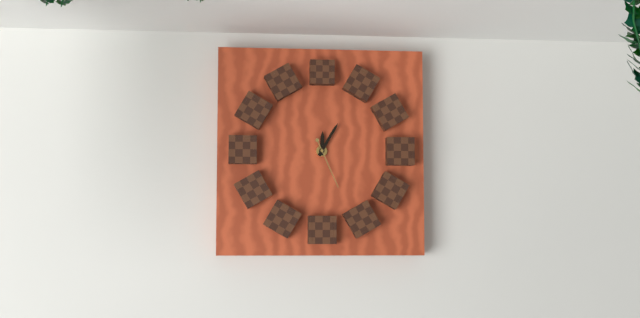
12:05:26
